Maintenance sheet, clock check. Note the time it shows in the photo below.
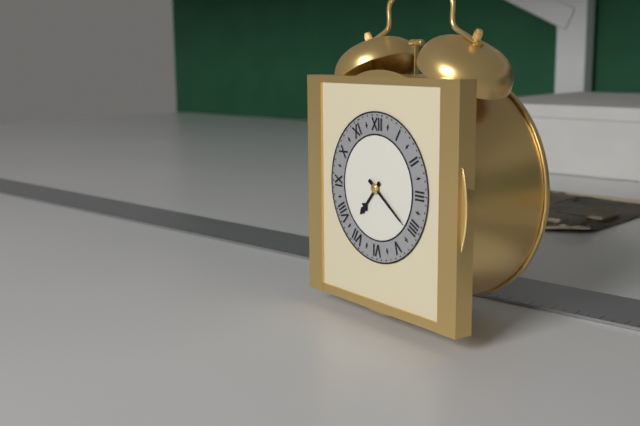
7:21
